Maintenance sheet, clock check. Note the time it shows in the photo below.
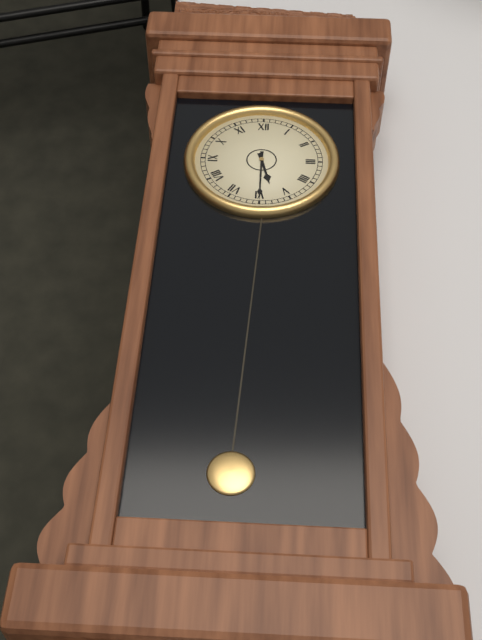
5:30
